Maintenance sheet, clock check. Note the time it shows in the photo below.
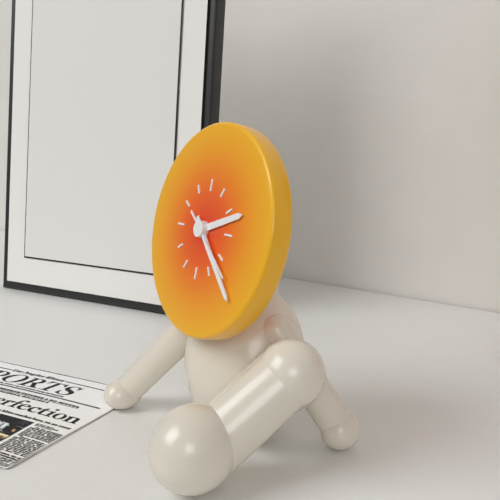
2:22:21
